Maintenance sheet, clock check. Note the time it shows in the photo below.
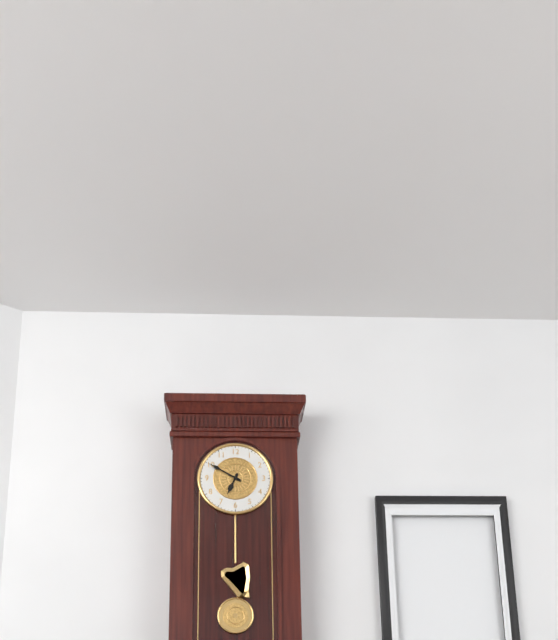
6:50
